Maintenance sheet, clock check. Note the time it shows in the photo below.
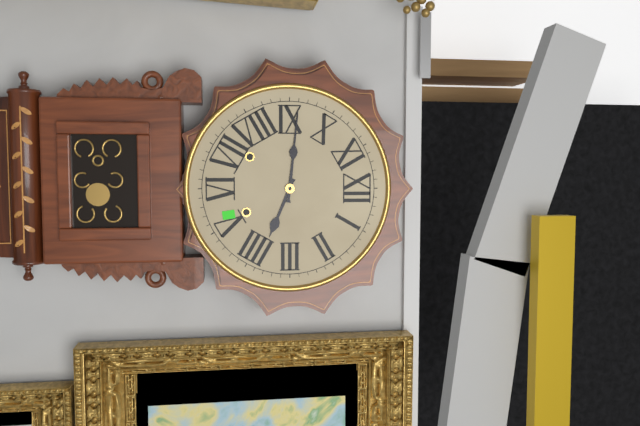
3:46
